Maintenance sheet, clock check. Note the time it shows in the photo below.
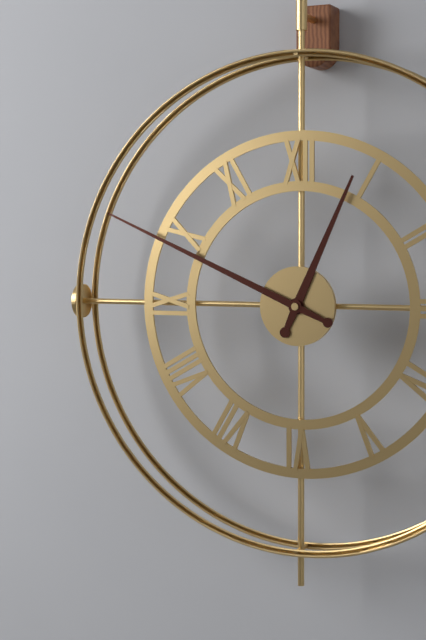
12:49
